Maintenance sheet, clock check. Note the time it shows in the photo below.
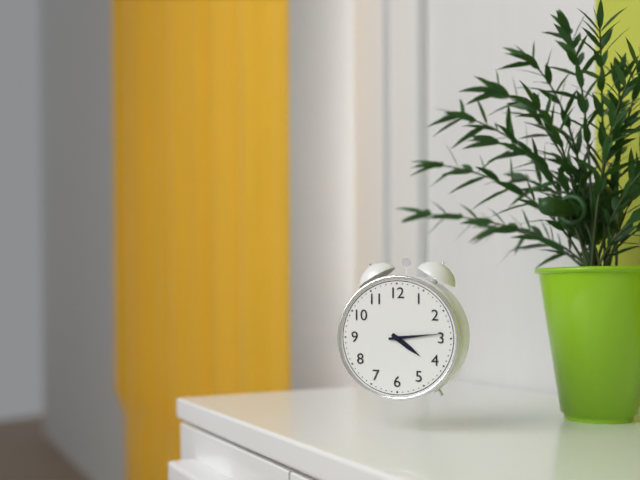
4:14
